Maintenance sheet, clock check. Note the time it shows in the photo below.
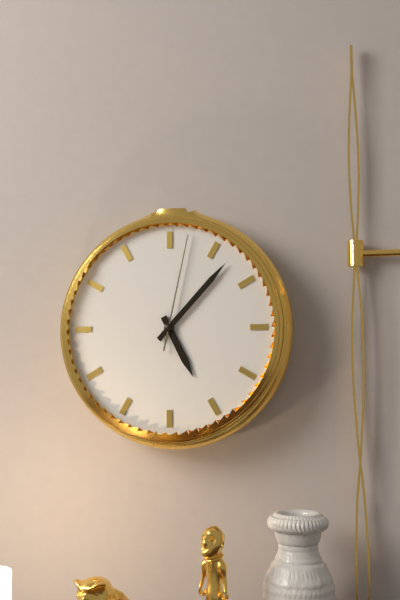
5:07:02
